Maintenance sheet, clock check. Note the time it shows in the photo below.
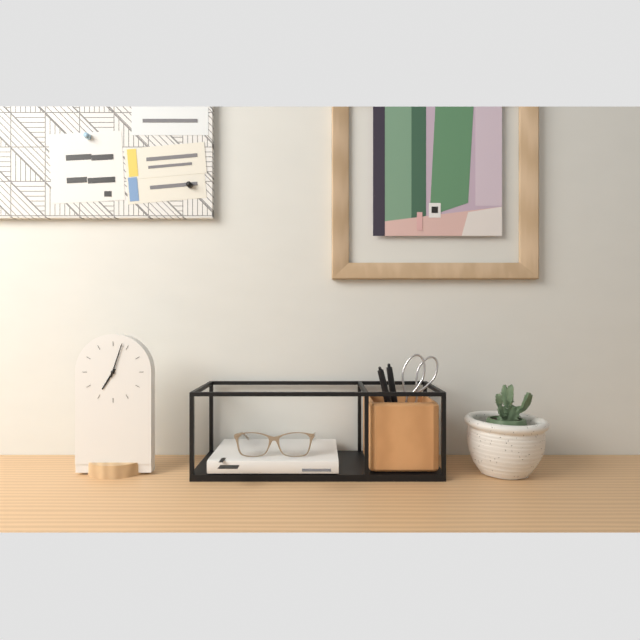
7:03
